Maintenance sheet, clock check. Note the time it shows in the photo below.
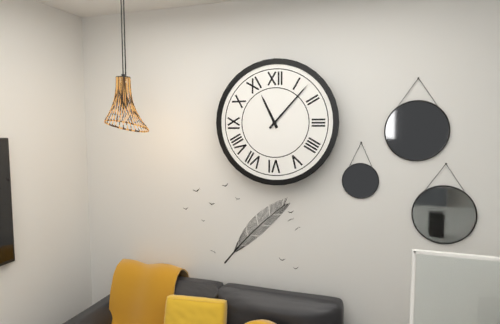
11:07
